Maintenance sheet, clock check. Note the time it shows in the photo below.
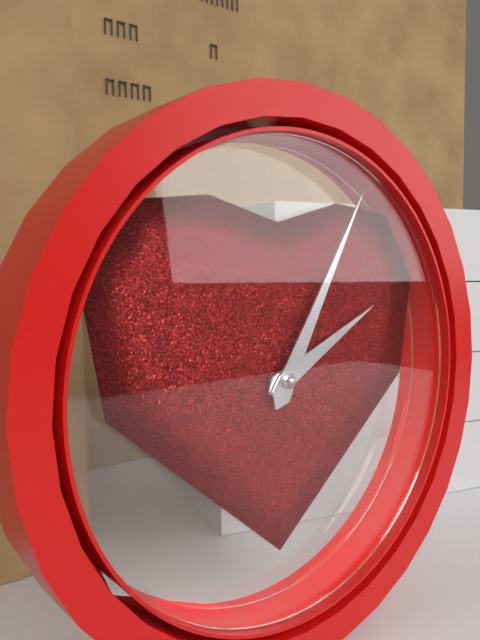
2:05
